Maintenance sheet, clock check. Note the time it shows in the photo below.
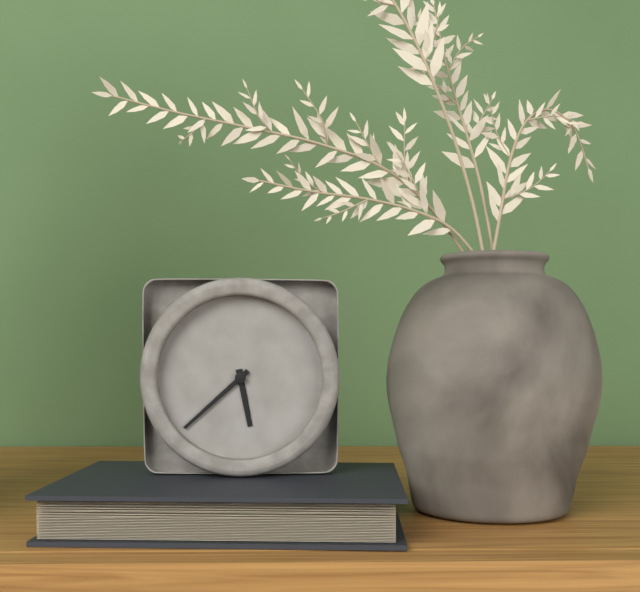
5:38
